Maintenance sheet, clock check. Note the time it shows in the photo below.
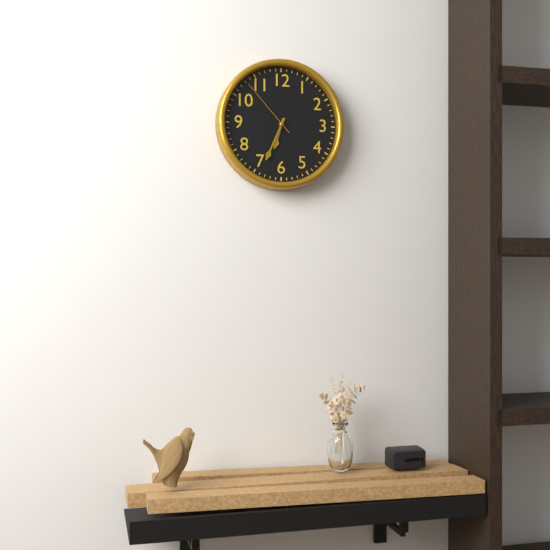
6:34:53
